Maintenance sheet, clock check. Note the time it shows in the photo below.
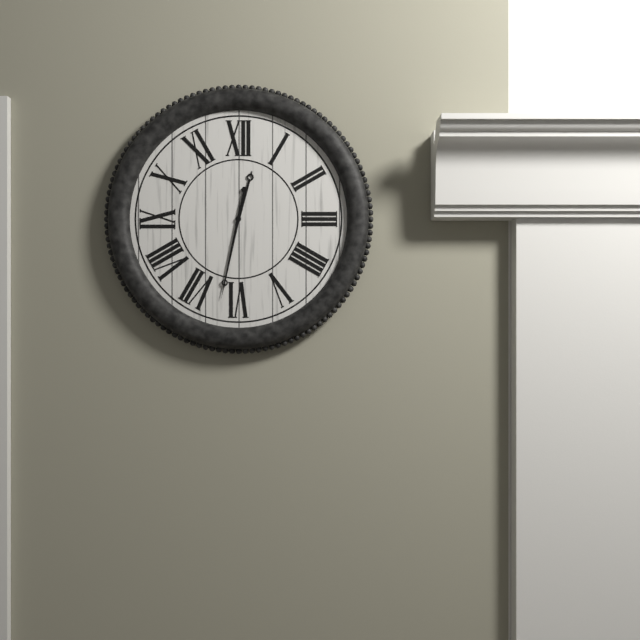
12:32
